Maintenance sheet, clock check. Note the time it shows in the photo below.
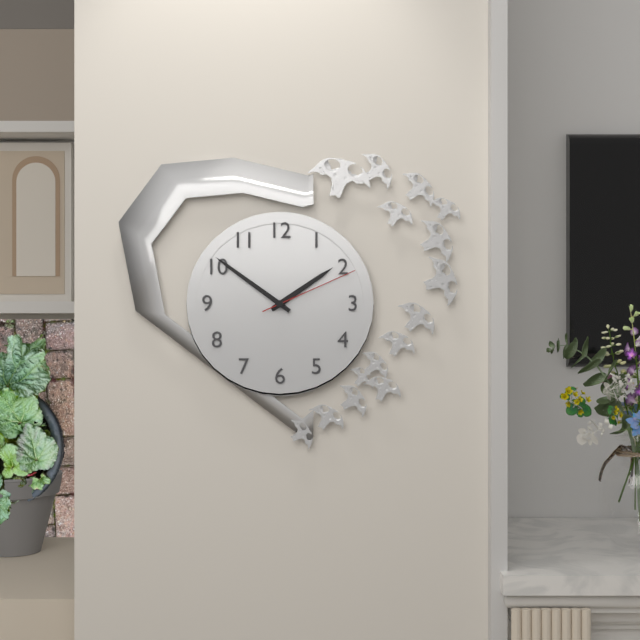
1:51:11
